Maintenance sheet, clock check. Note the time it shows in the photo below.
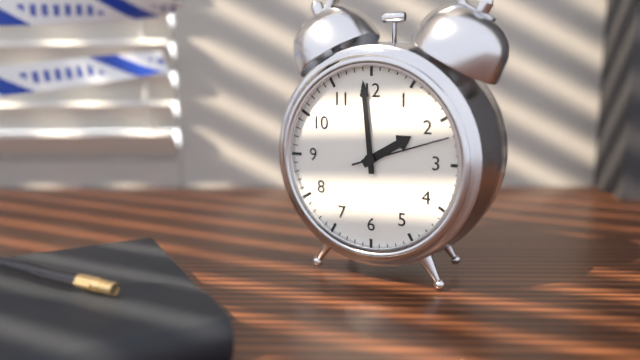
1:59:12
